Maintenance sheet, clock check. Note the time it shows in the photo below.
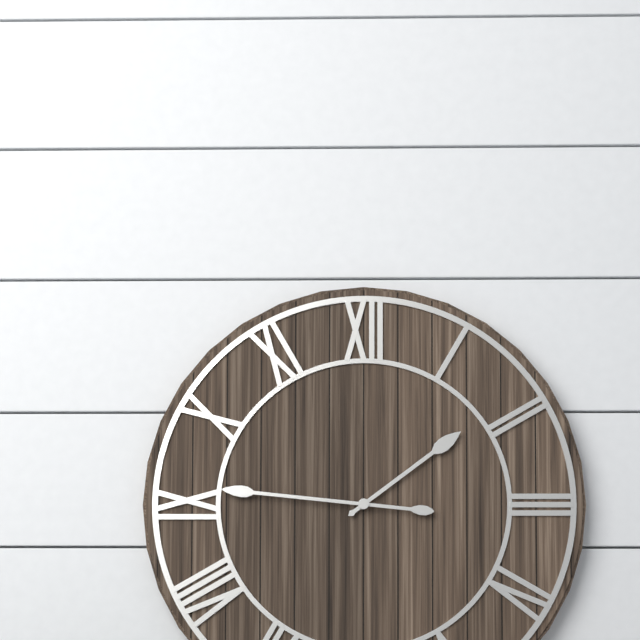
1:46
